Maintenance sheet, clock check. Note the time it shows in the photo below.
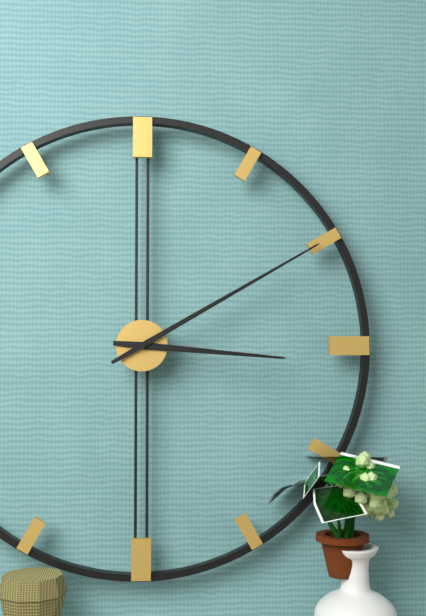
3:10
